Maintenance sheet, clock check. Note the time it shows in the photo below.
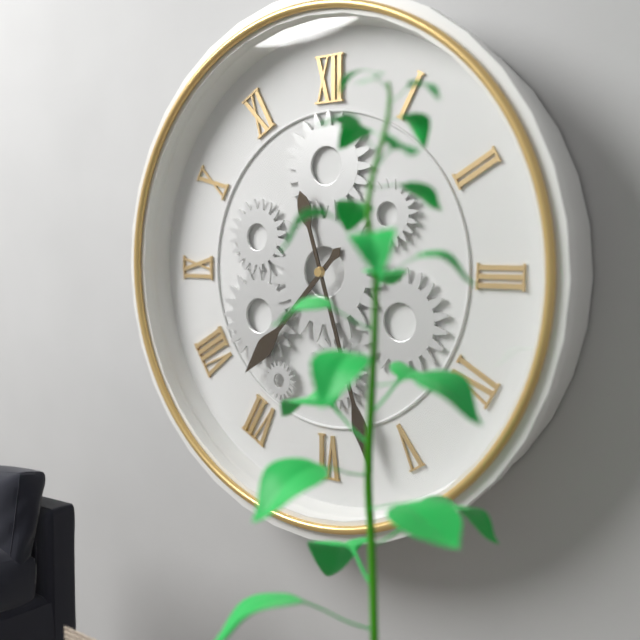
7:27
